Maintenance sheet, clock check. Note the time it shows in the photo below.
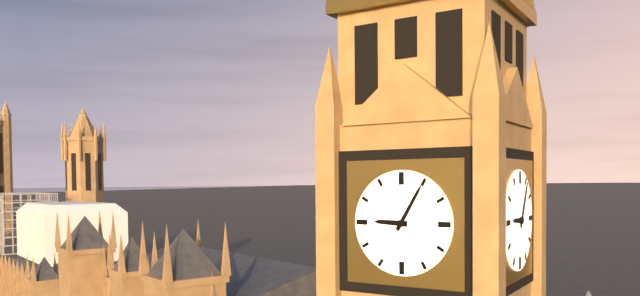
9:05
